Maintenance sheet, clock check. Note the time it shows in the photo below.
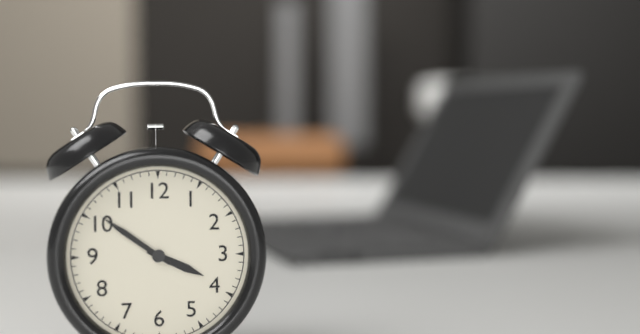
3:51
